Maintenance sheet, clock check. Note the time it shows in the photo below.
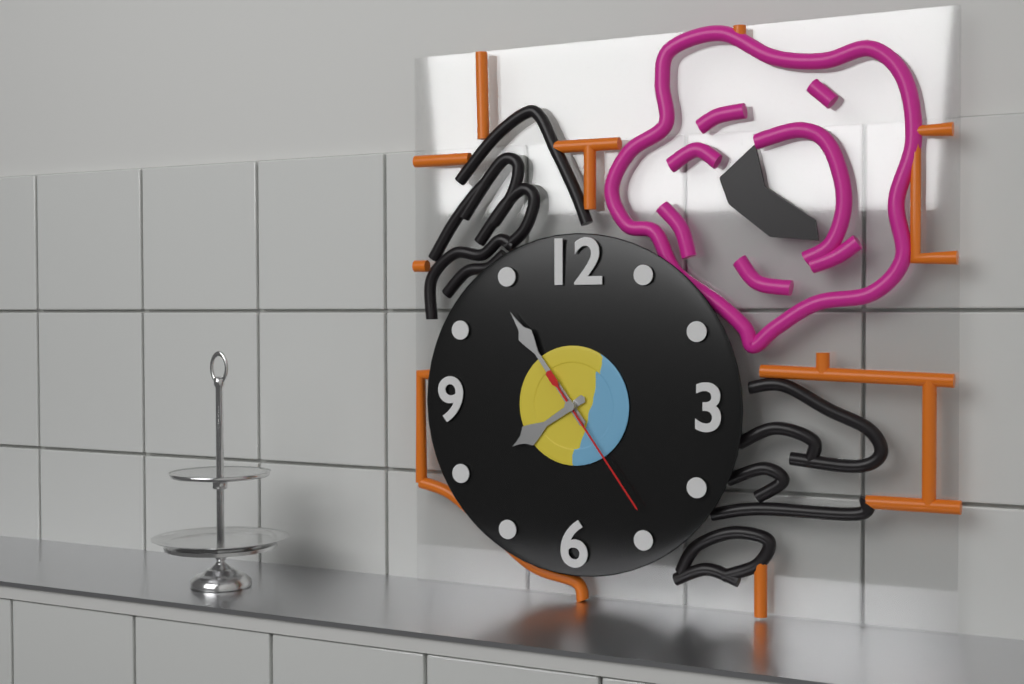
7:54:24
